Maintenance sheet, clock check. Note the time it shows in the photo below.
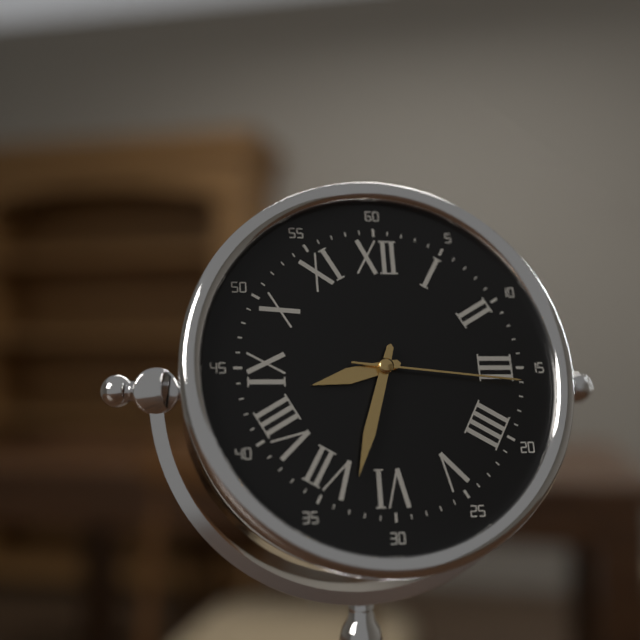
8:33:16
